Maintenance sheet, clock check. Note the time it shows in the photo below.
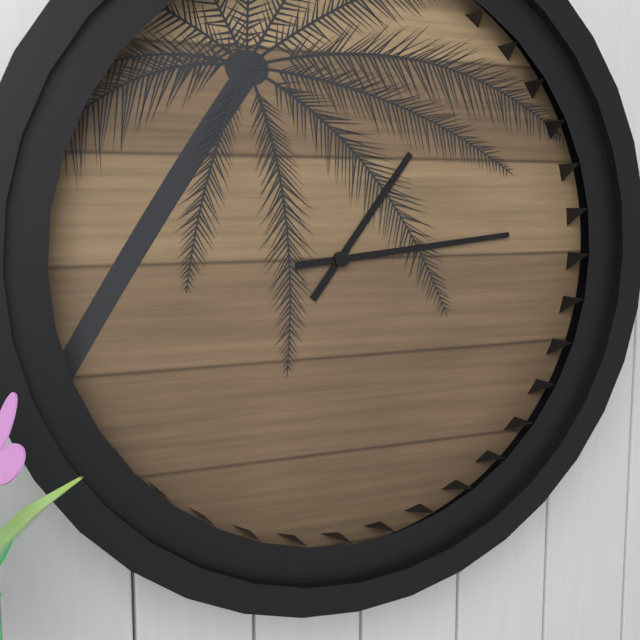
1:14
